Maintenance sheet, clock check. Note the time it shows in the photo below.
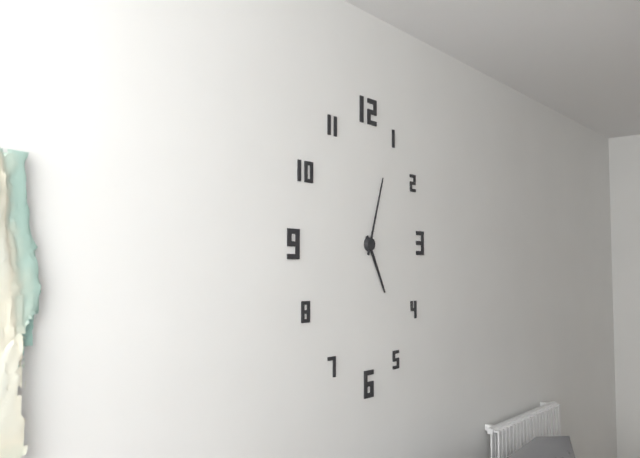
5:03
